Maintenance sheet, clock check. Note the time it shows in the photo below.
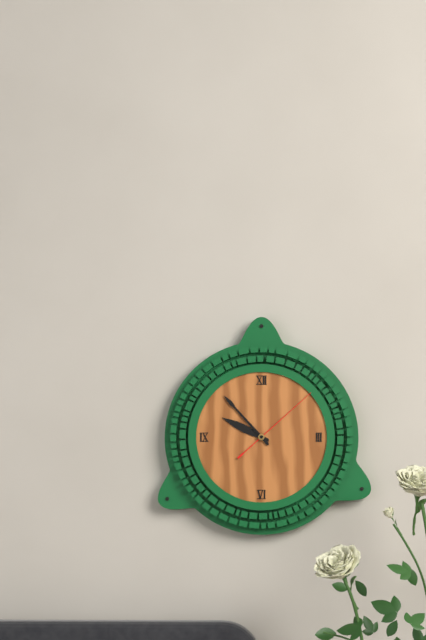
9:53:08
